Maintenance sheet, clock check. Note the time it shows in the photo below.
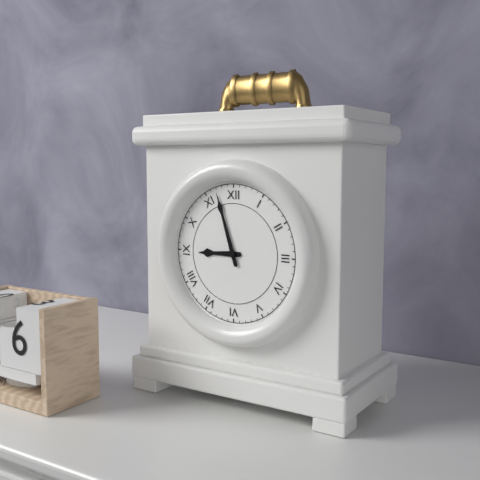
8:57
